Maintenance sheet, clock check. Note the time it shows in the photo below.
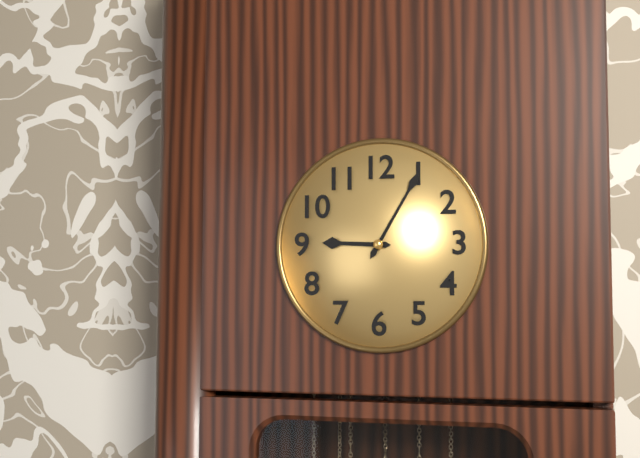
9:05
